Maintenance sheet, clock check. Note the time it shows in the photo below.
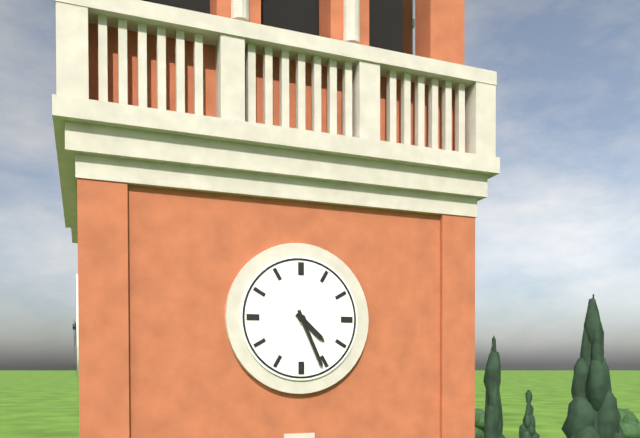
4:26
